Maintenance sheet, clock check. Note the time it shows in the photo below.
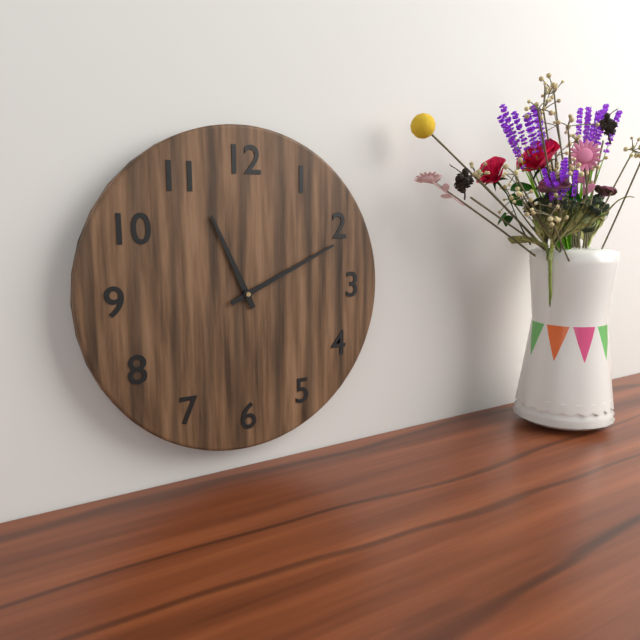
11:11
